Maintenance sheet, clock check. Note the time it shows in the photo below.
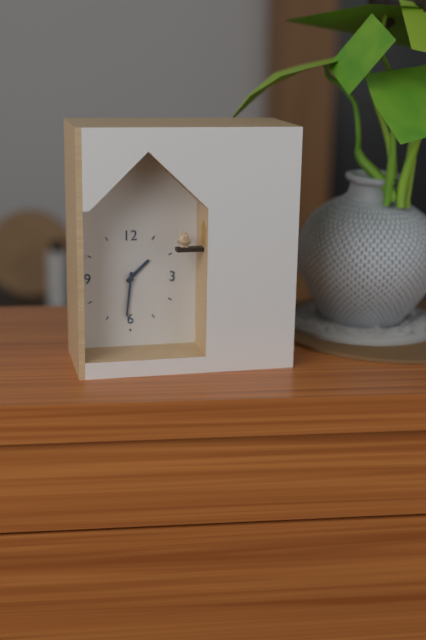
1:31
